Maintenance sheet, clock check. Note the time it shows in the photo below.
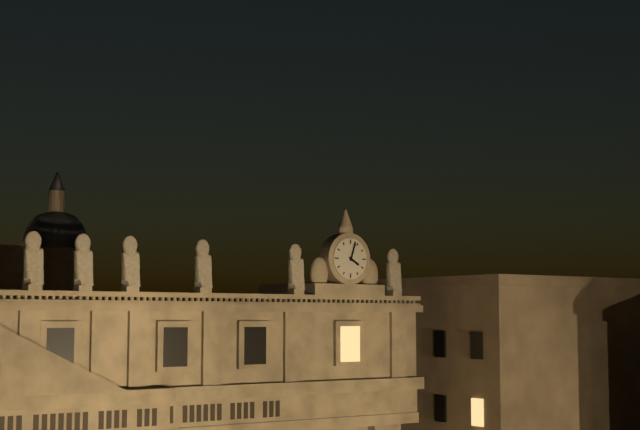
4:03
